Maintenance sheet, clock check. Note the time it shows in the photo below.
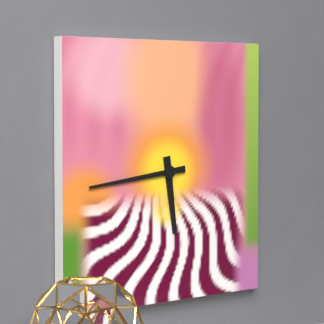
5:44
